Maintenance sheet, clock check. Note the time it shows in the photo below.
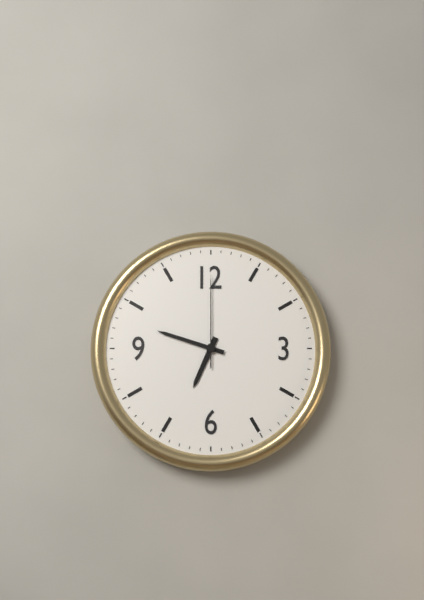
6:48:00
